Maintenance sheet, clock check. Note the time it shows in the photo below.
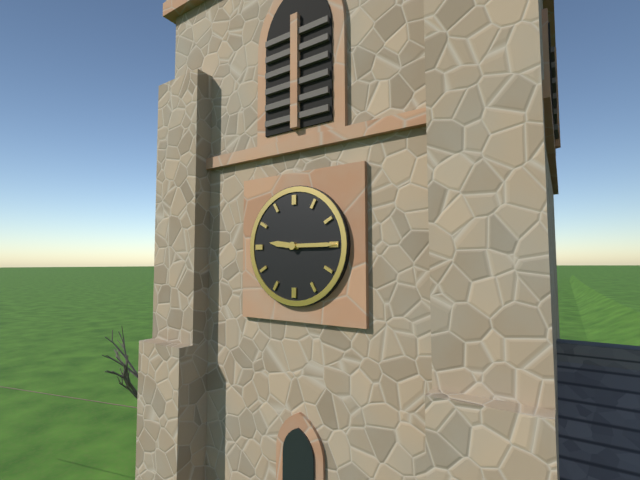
9:15
